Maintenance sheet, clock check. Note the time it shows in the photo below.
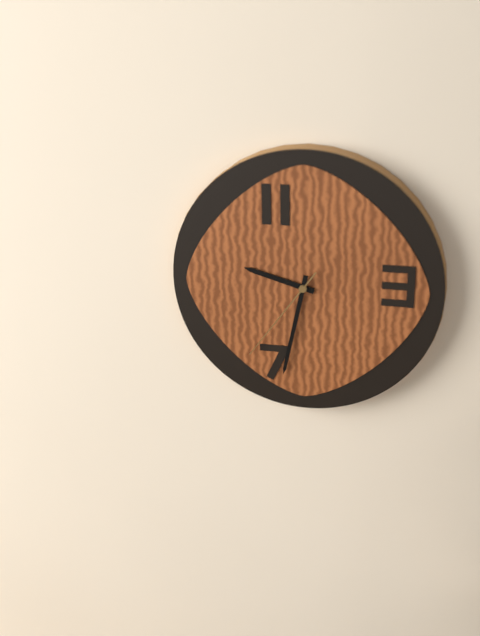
9:32:36
